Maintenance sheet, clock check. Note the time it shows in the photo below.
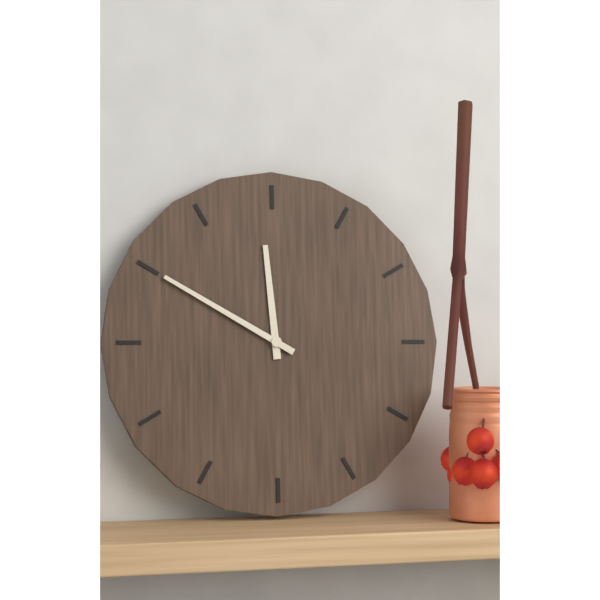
11:50
